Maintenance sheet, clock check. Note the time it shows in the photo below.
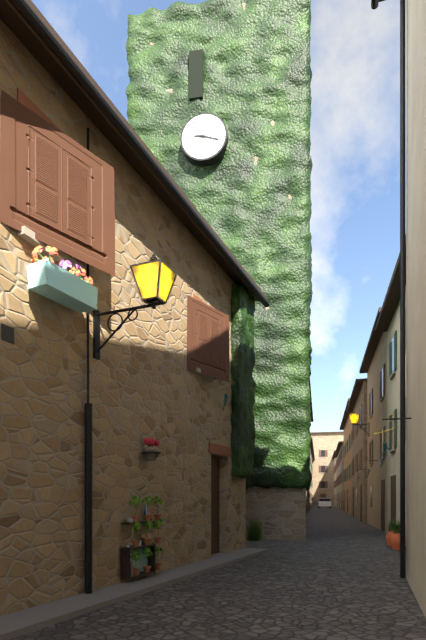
9:18
